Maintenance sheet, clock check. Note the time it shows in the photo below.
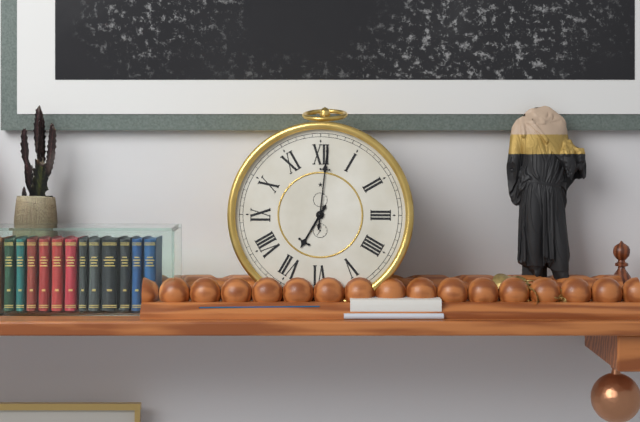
7:01
